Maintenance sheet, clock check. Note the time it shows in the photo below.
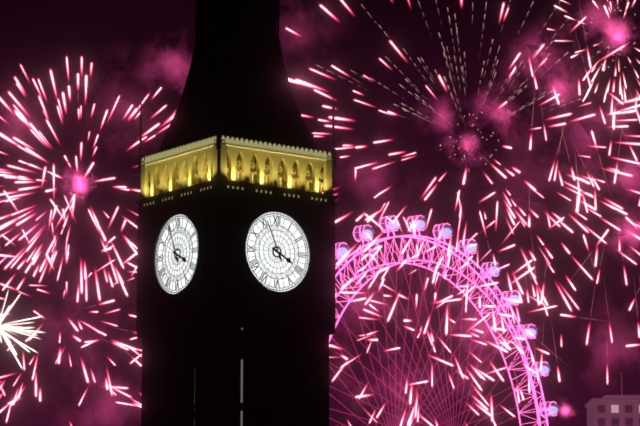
3:56
